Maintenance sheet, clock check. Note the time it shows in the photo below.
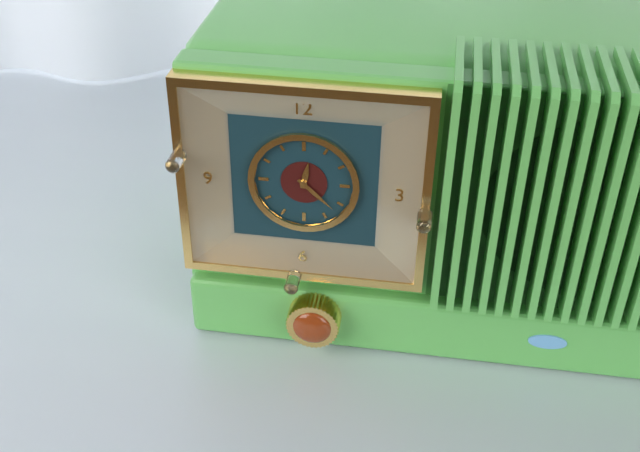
12:22
